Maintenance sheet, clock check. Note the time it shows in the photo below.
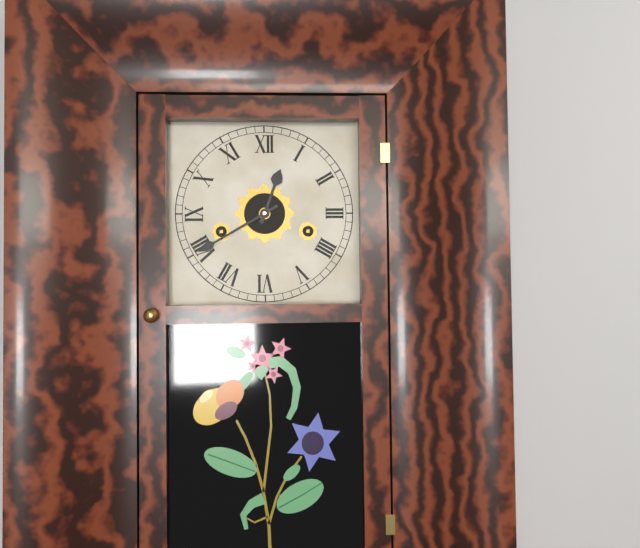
12:40
